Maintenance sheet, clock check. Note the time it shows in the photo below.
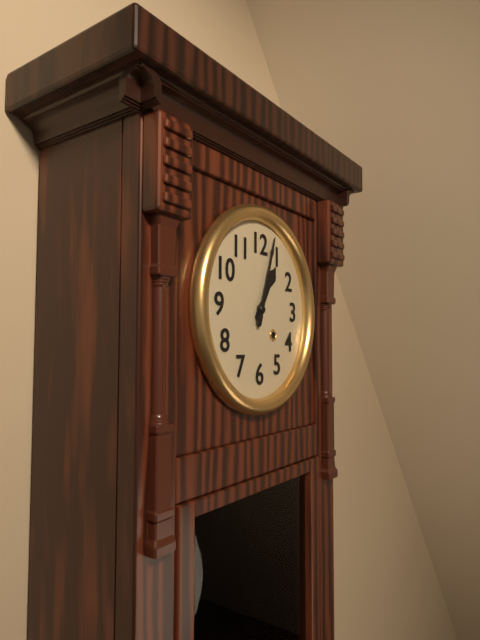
1:03
